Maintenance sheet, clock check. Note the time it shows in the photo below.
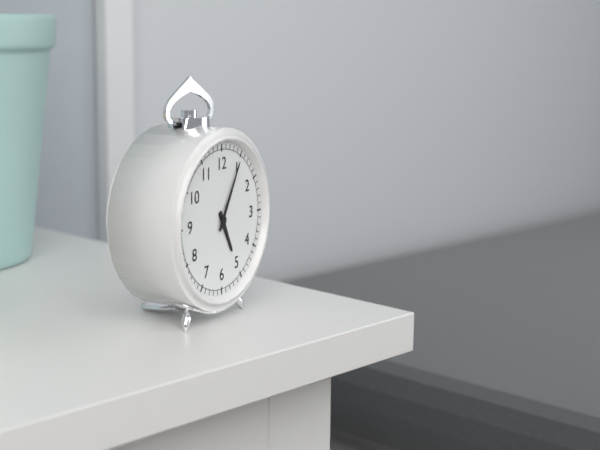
5:05
